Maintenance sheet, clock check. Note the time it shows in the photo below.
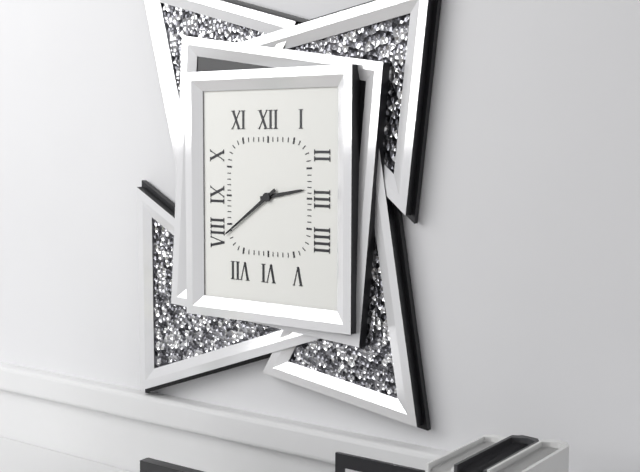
2:39
